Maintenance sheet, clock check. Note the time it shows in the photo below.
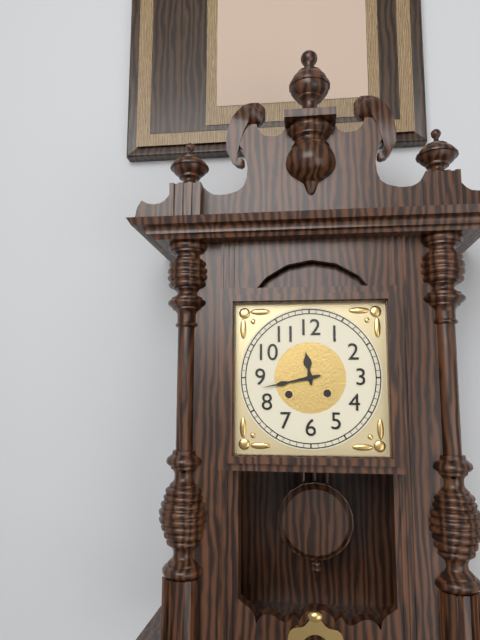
11:43
